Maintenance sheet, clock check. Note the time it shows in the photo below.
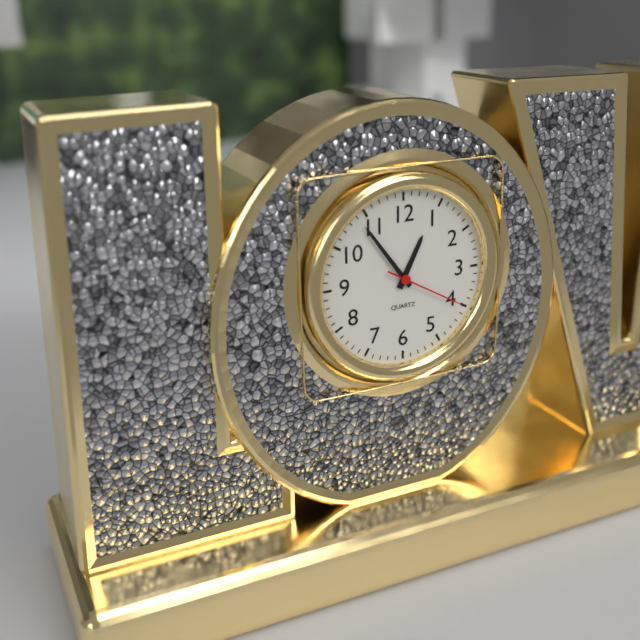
12:54:20
